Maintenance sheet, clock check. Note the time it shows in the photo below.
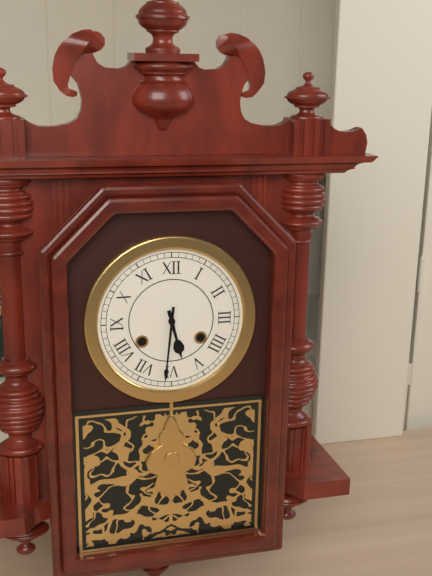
5:31
